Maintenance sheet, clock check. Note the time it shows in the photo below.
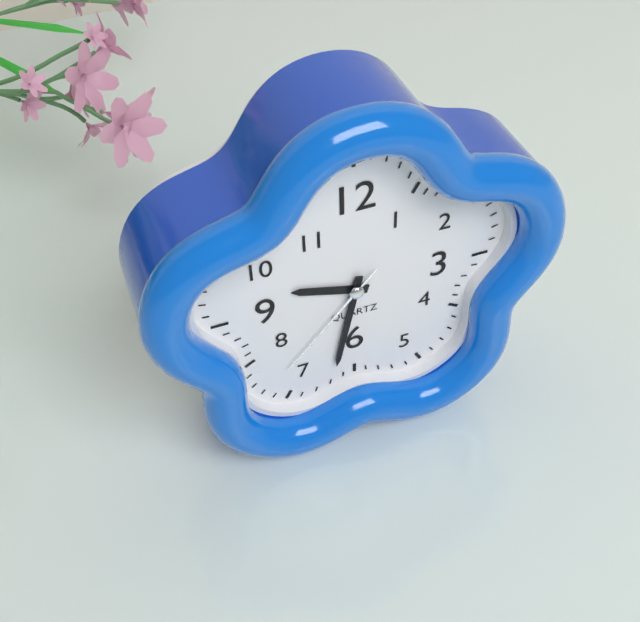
9:32:37
